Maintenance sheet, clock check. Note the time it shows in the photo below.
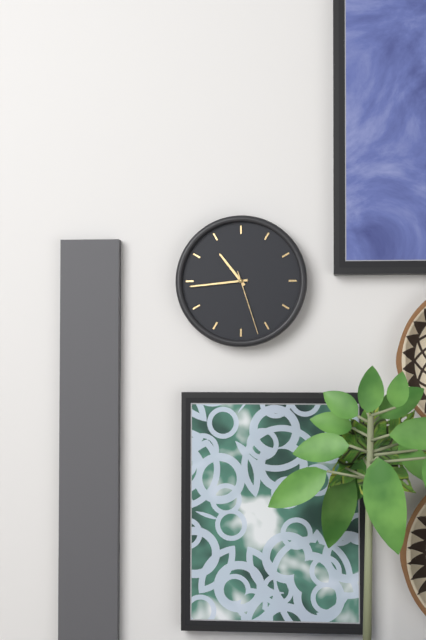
10:44:27
